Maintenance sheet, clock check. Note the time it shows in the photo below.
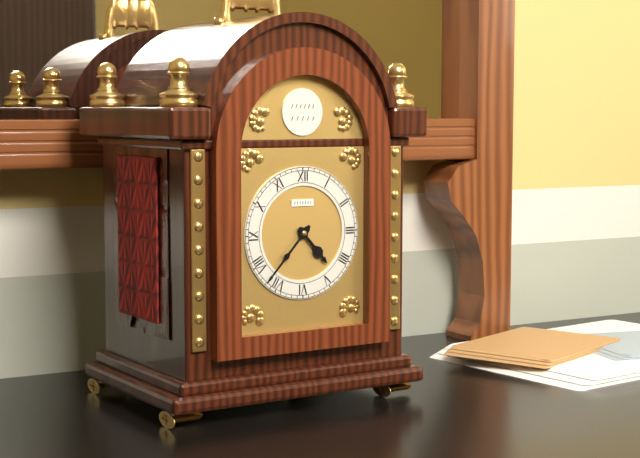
4:37
